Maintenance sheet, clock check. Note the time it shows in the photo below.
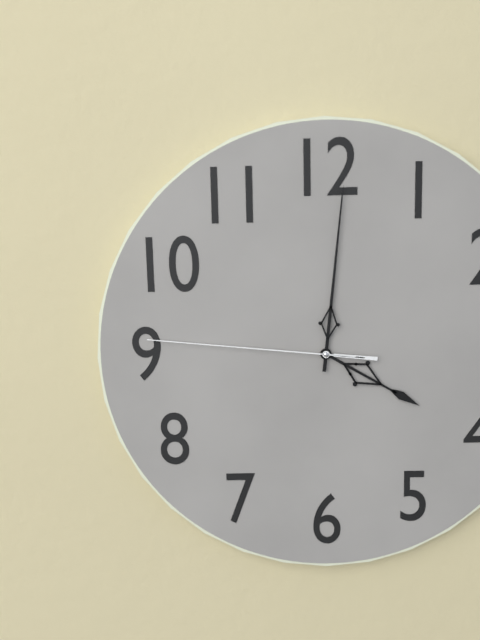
4:01:46
